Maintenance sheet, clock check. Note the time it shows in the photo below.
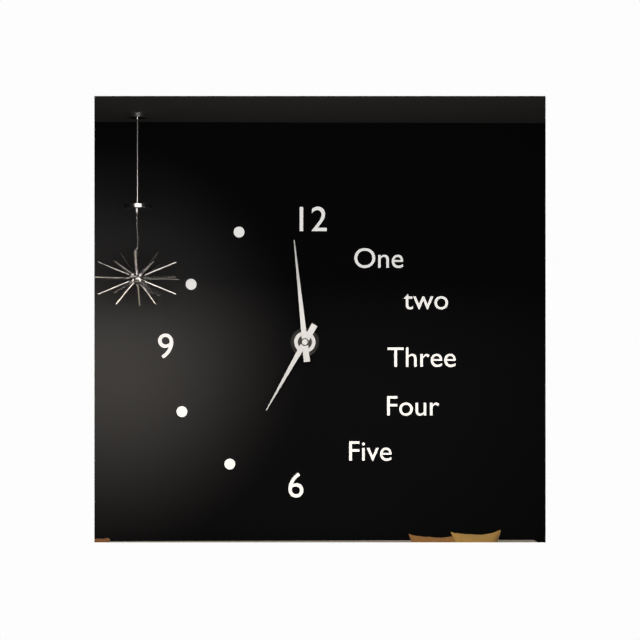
6:59
